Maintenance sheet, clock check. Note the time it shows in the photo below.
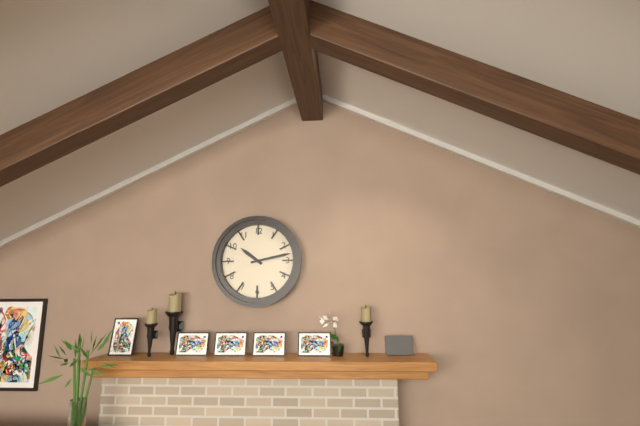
10:13
